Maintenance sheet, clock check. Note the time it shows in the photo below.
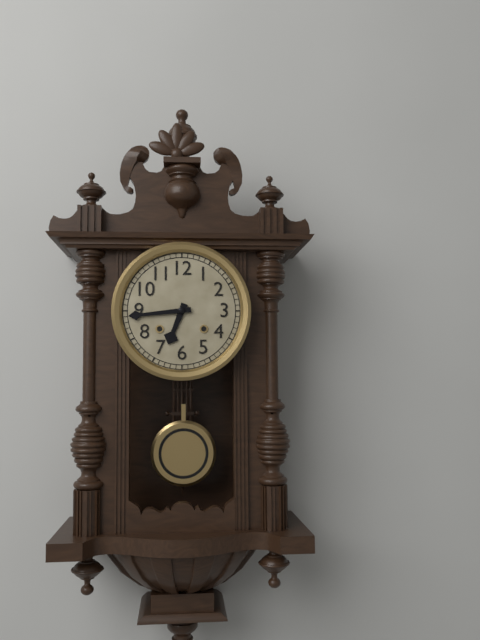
6:44
